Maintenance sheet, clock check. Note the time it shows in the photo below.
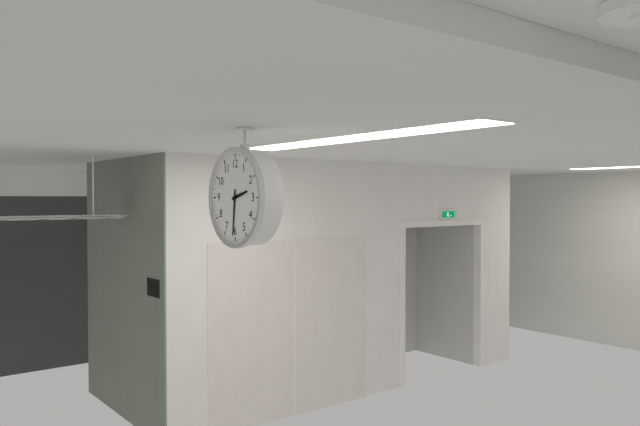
2:31
